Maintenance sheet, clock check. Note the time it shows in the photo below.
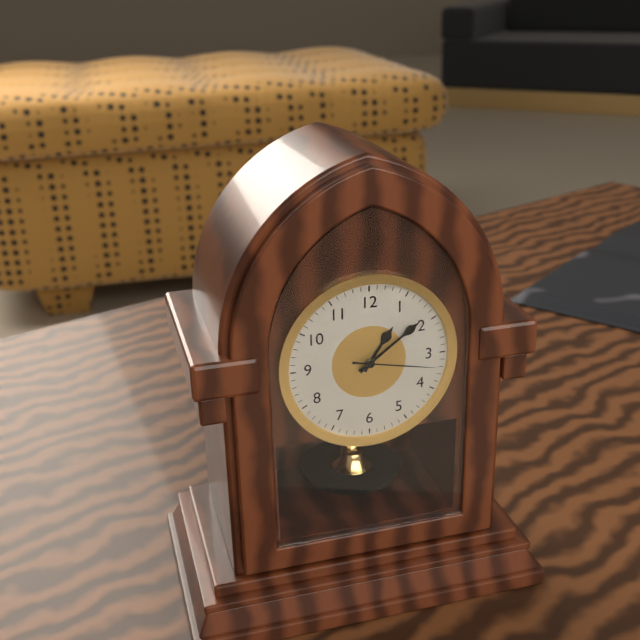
1:09:17
